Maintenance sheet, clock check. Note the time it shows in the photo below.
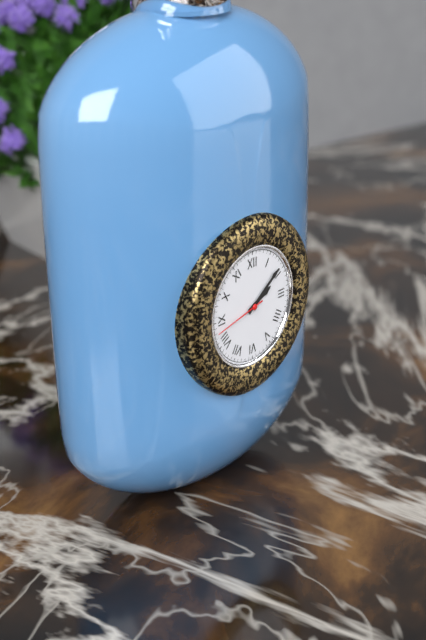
2:09:43
